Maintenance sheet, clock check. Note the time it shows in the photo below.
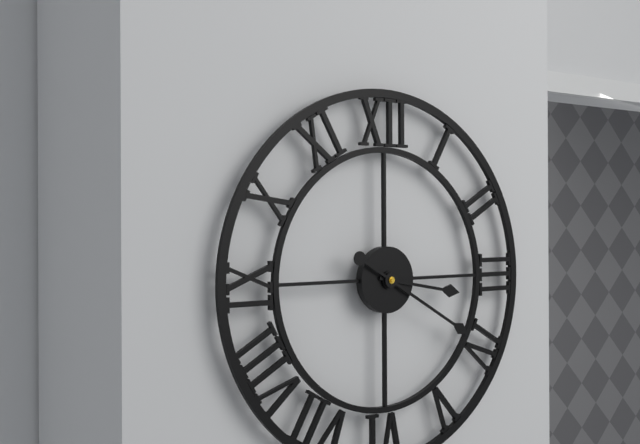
3:20
